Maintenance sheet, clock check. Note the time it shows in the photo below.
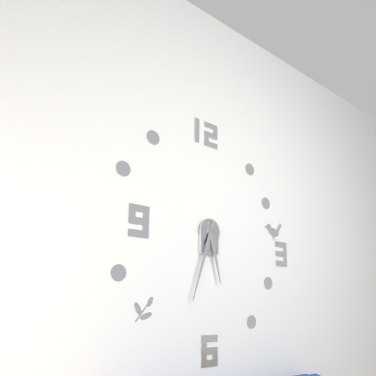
5:33
